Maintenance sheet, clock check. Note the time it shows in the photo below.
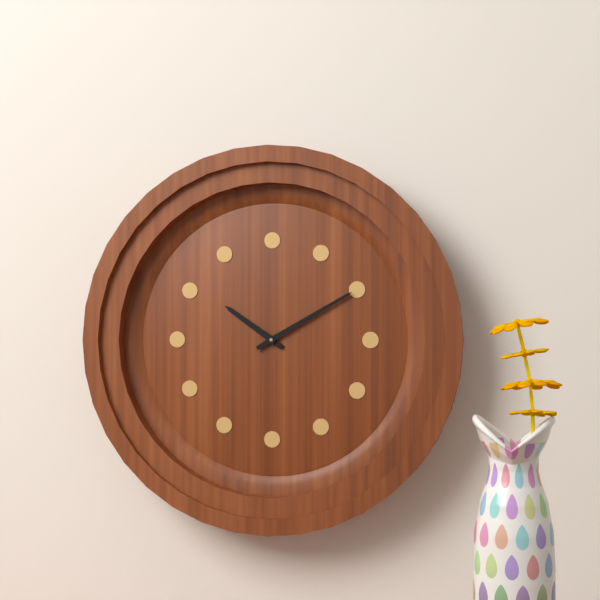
10:10
